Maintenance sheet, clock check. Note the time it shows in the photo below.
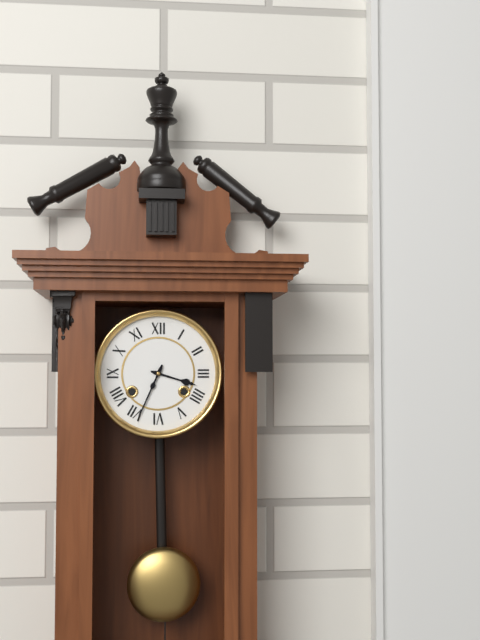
3:34
